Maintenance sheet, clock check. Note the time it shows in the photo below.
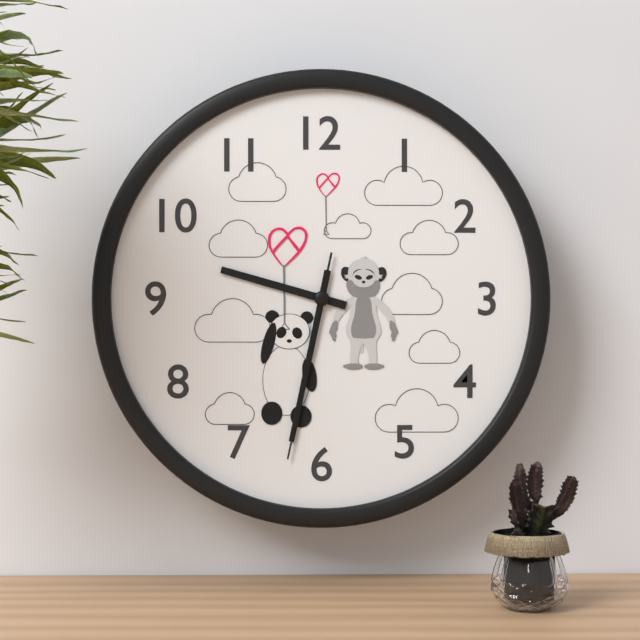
9:32:32
